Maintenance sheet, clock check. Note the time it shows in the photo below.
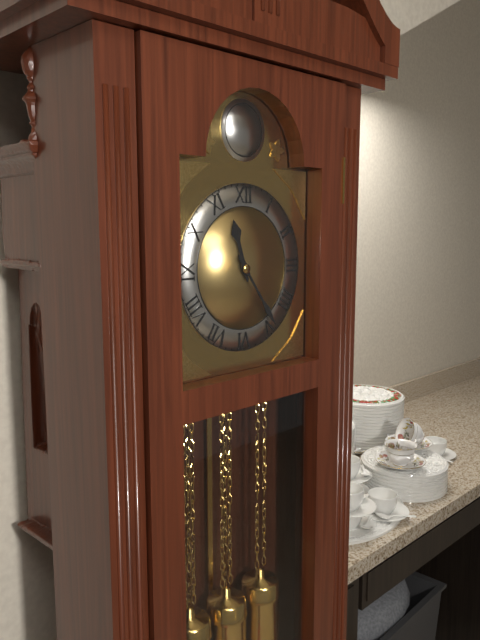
11:24
